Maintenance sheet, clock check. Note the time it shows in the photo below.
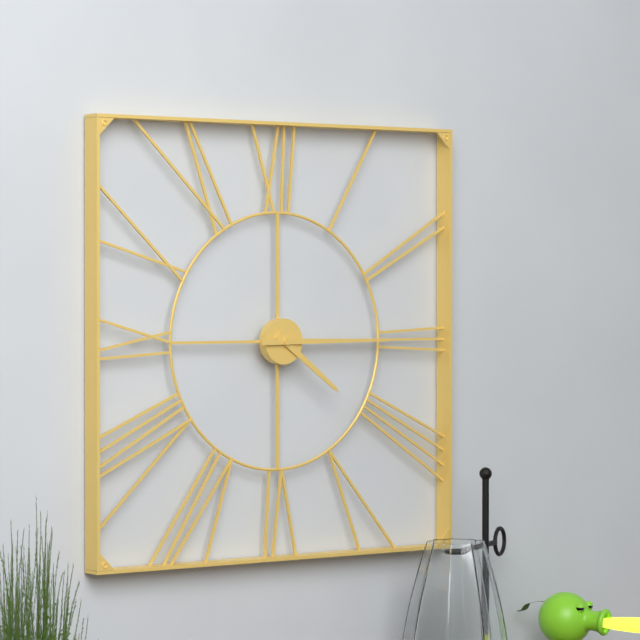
4:15
